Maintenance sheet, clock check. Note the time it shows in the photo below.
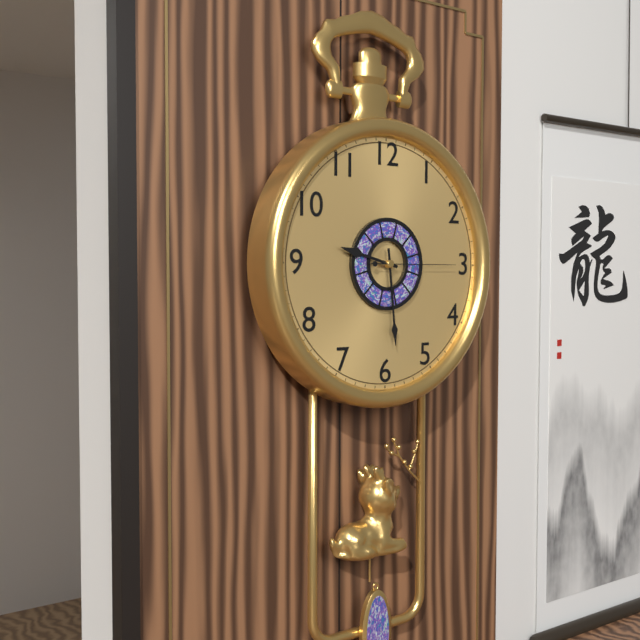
9:29:15
